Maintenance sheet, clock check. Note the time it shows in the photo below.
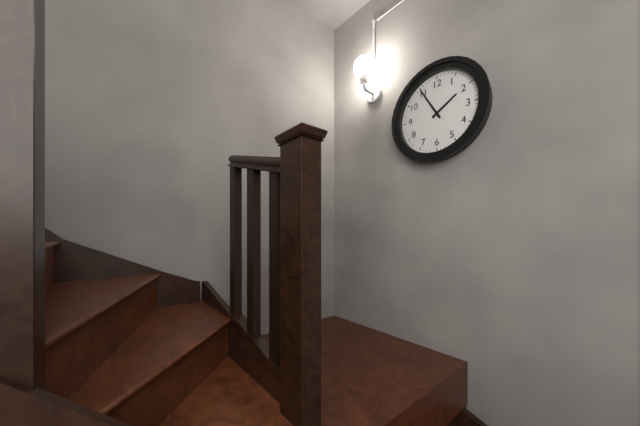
1:55
